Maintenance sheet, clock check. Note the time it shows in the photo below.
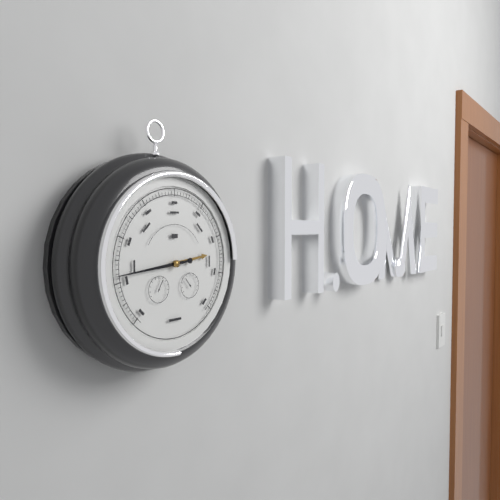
2:44
